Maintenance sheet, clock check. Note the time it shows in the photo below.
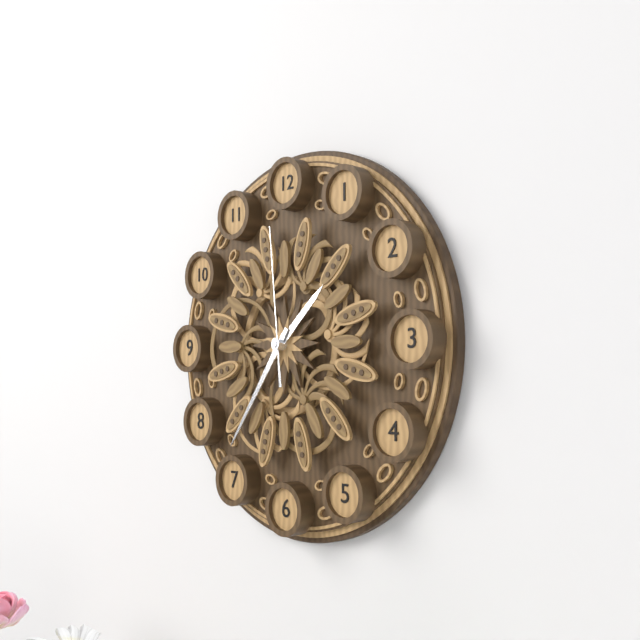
1:36:59
